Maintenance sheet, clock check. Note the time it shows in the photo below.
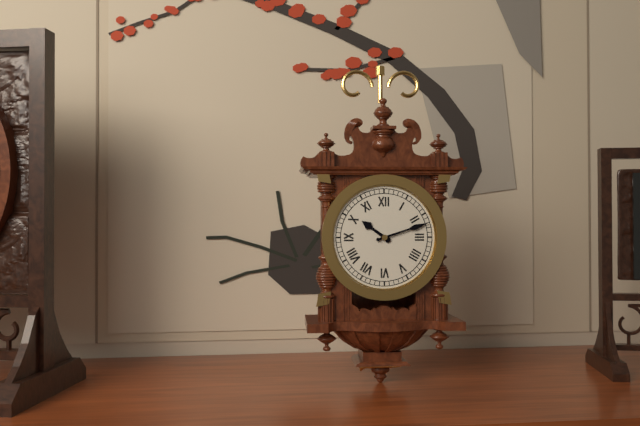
10:12
